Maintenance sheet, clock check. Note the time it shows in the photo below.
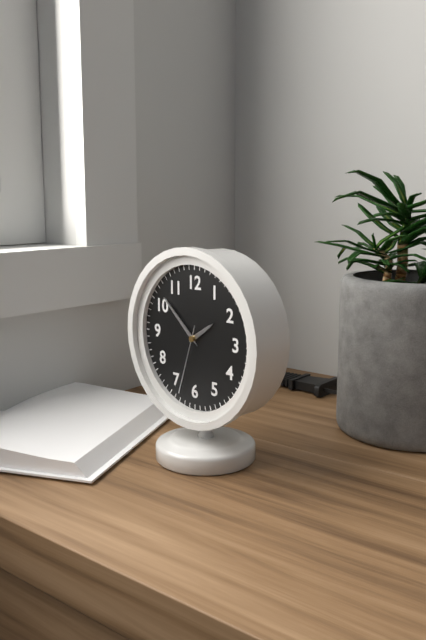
1:52:33
